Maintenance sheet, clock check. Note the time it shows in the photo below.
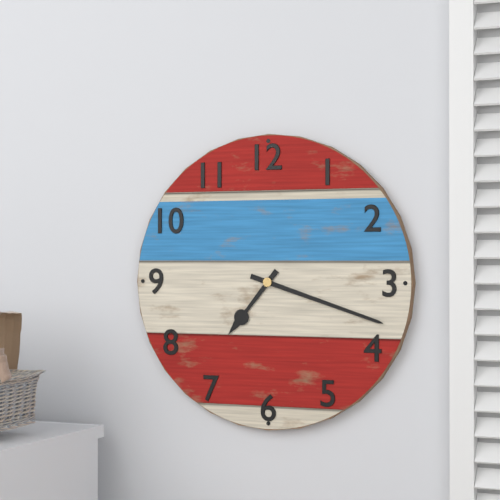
7:18
